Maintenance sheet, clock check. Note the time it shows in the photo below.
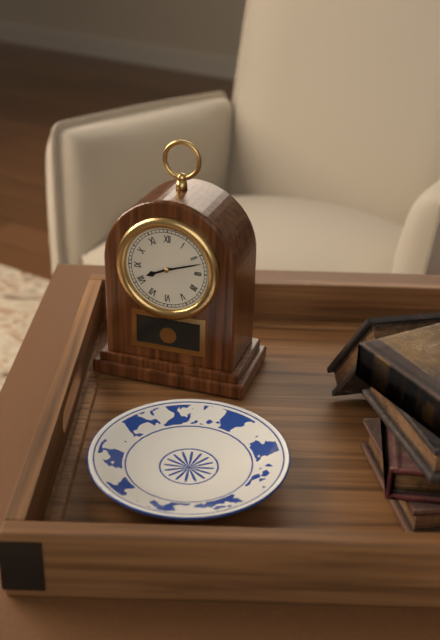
8:12
